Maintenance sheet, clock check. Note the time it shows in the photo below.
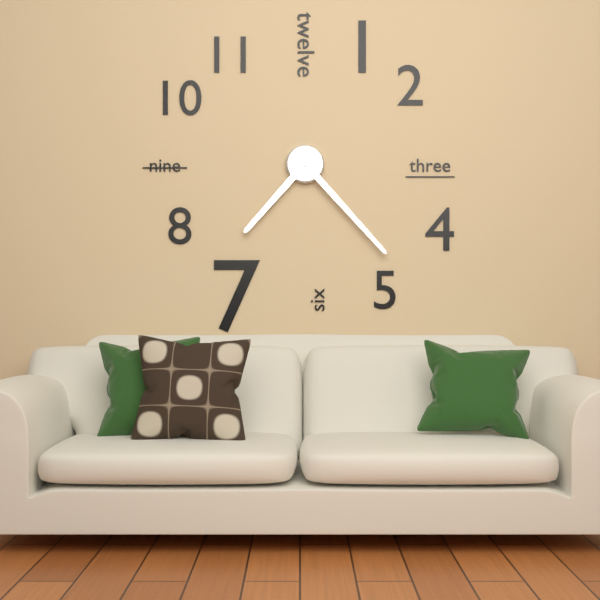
7:23
